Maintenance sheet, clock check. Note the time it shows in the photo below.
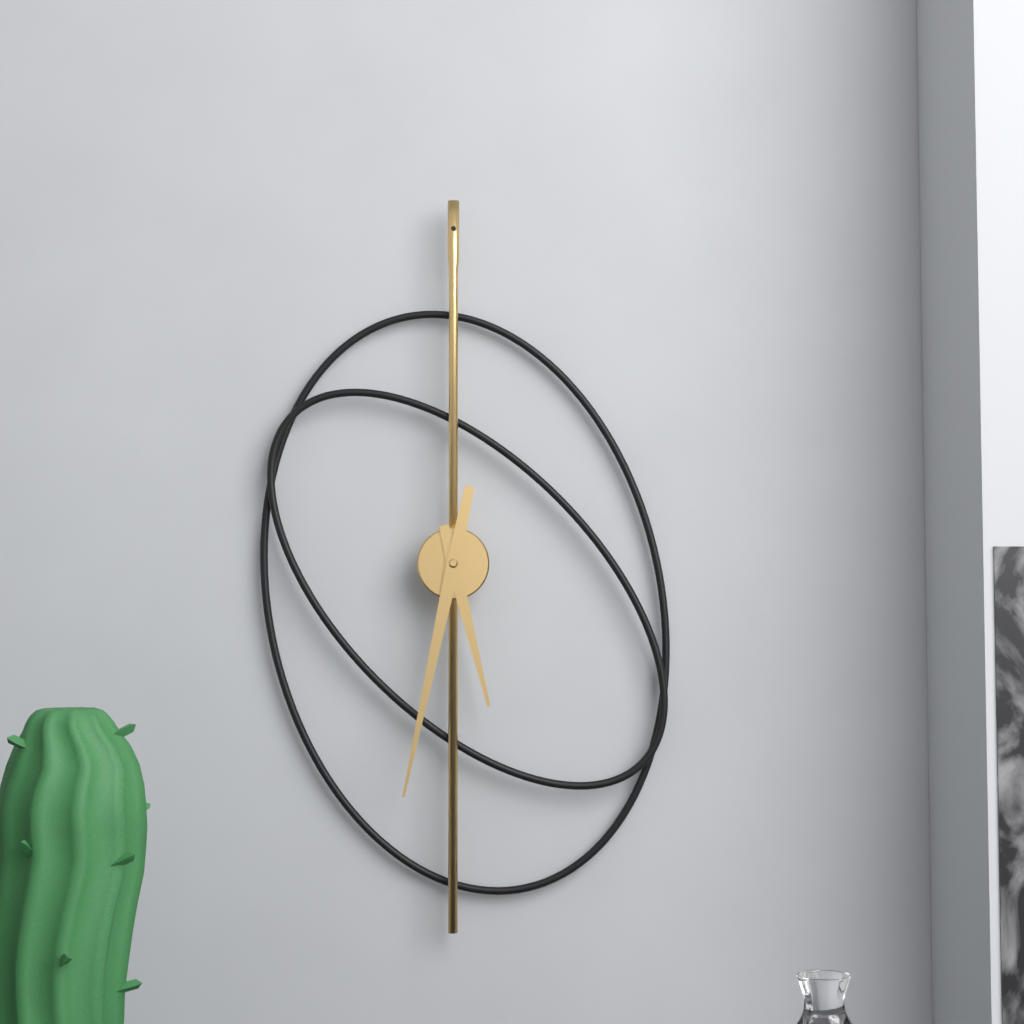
5:32
